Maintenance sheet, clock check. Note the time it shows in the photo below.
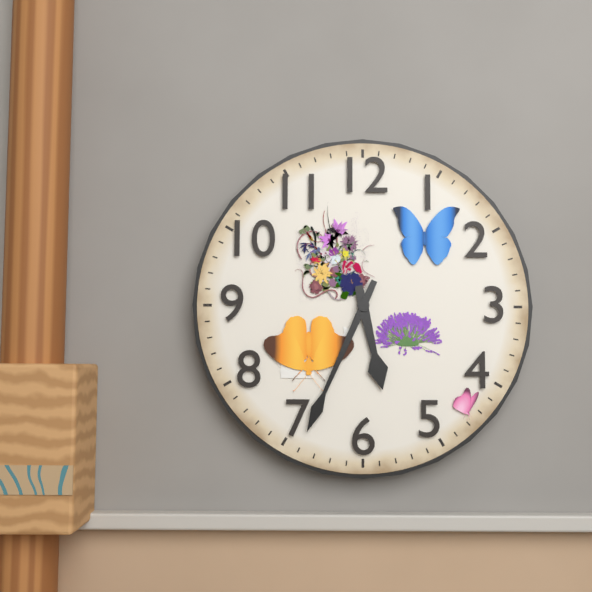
5:34
